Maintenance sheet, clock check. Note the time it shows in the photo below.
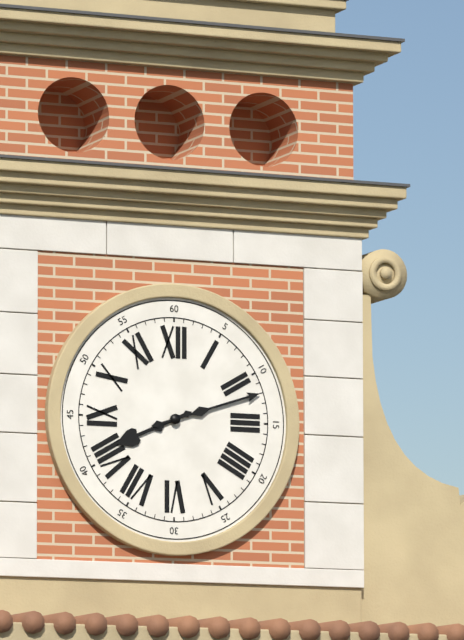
8:12
